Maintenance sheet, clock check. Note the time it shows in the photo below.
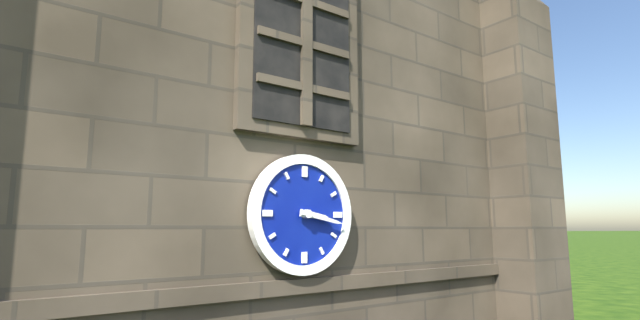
3:17
